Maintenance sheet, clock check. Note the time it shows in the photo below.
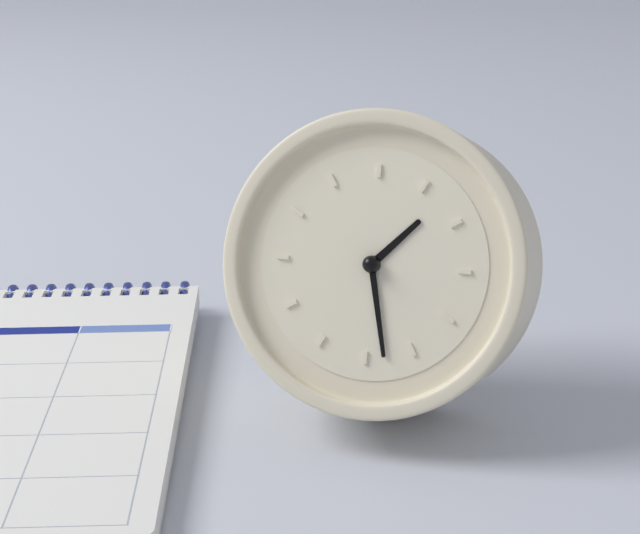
1:28
